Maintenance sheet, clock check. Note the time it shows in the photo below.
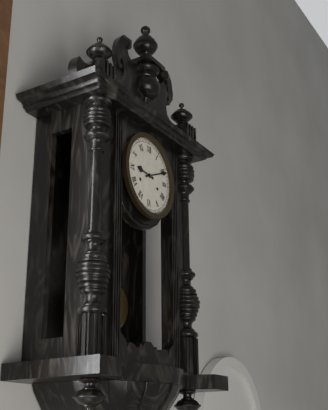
9:11
